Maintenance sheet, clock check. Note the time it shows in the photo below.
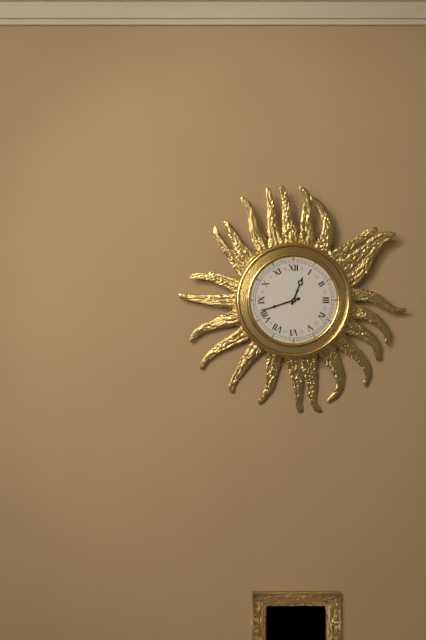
12:42
